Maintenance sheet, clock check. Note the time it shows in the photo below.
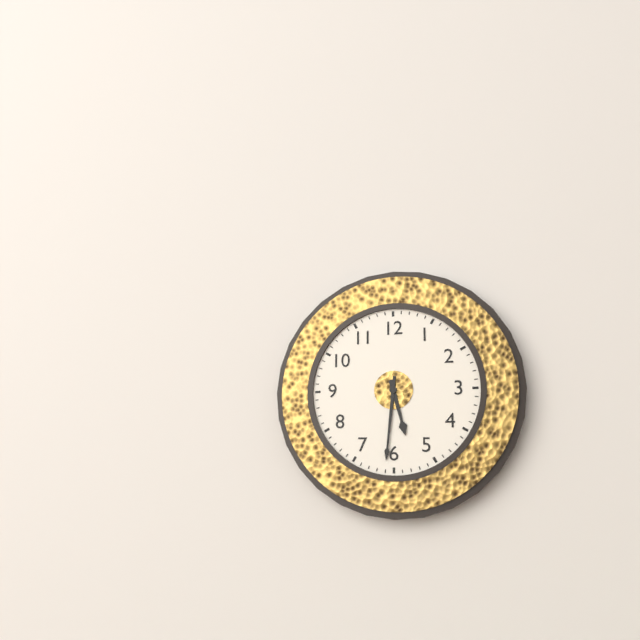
5:31
